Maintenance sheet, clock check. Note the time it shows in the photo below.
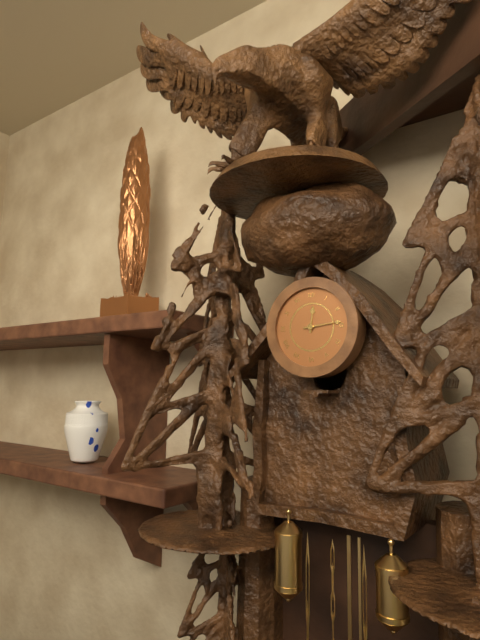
12:14
